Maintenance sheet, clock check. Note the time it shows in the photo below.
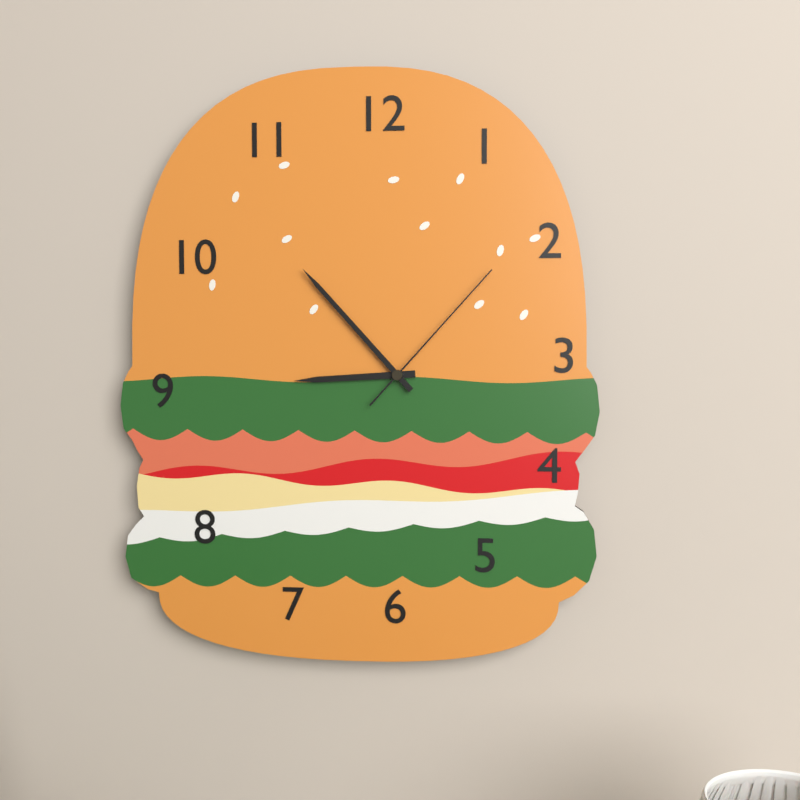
8:53:07
